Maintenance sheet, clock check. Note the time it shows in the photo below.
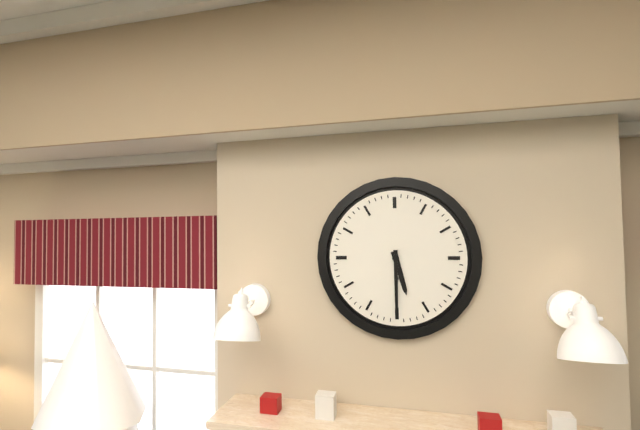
5:30
